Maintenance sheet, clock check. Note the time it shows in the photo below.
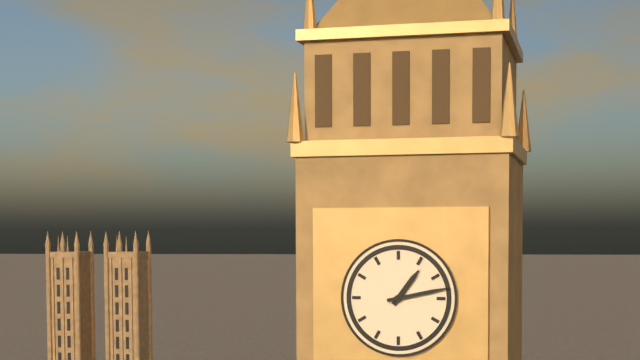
1:13
